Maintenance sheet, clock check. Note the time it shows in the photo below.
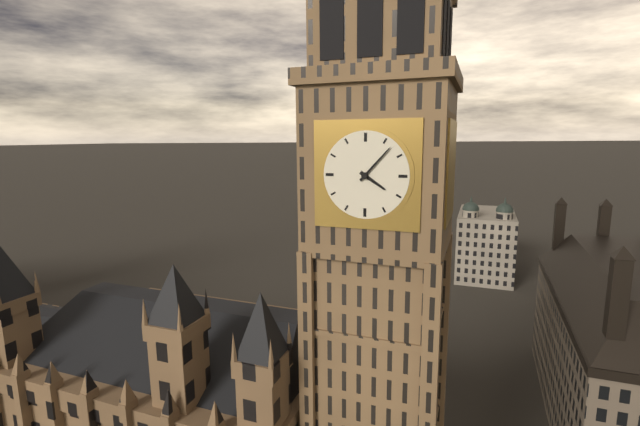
4:07
